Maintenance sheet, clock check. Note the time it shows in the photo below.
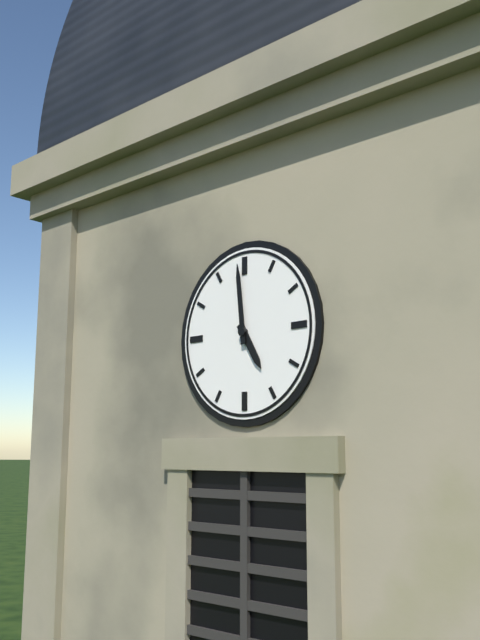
4:59
